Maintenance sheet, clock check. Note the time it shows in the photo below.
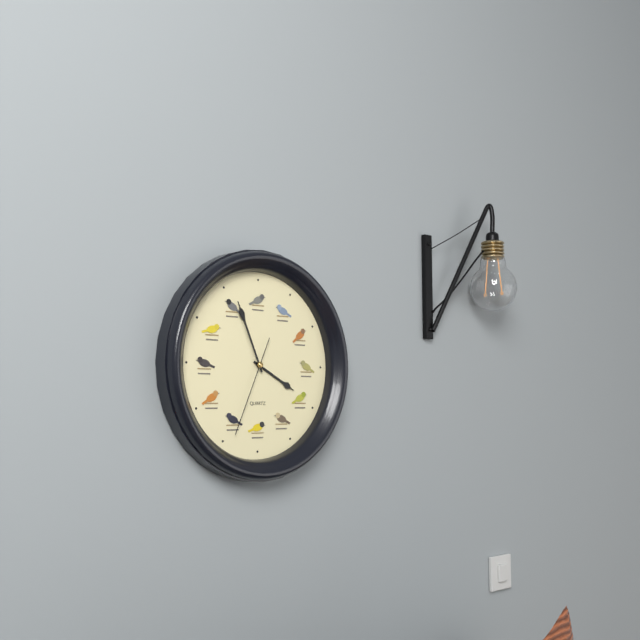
3:56:34
